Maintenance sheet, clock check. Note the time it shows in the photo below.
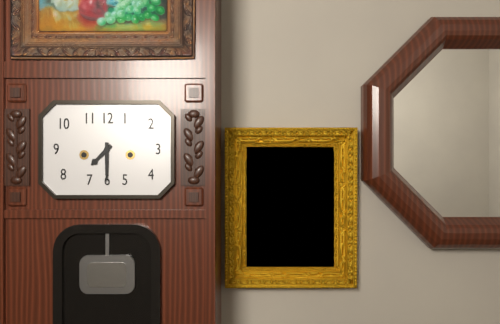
7:30
